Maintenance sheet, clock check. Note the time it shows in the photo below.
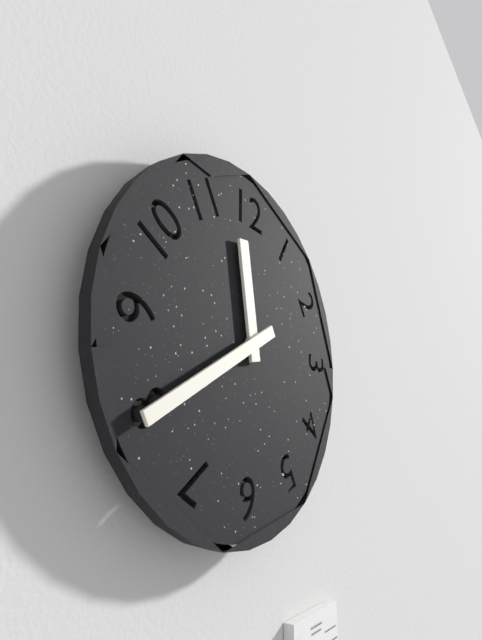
11:40
